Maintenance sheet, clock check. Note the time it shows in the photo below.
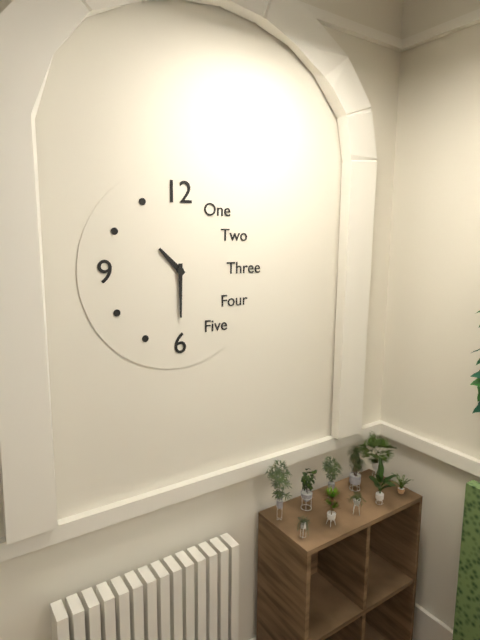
10:30
